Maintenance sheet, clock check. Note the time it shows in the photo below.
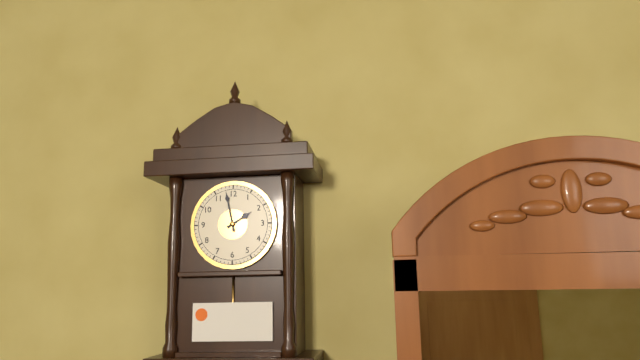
1:58
